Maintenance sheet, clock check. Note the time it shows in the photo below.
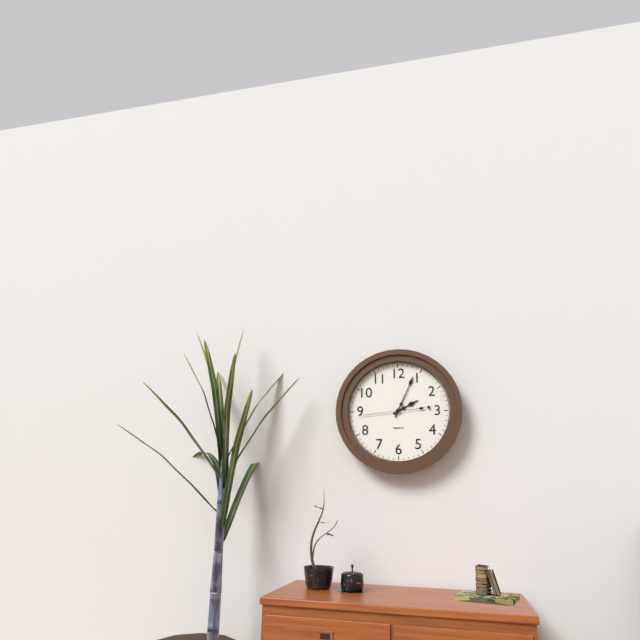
2:04:44
